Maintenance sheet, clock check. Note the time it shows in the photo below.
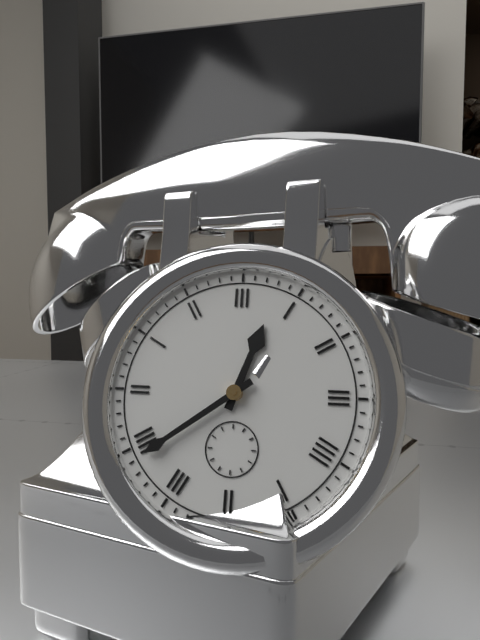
12:39
